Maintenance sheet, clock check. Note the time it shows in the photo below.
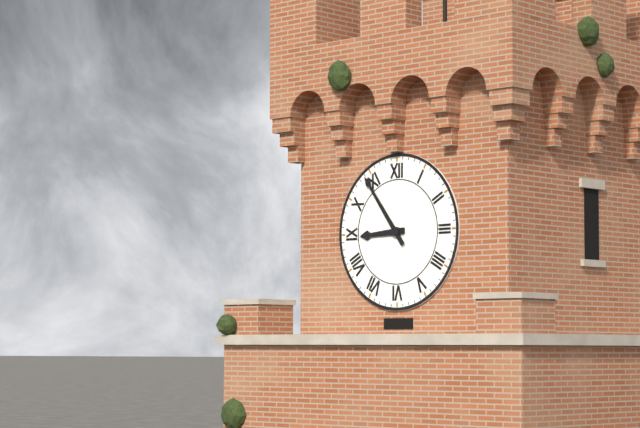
8:54
